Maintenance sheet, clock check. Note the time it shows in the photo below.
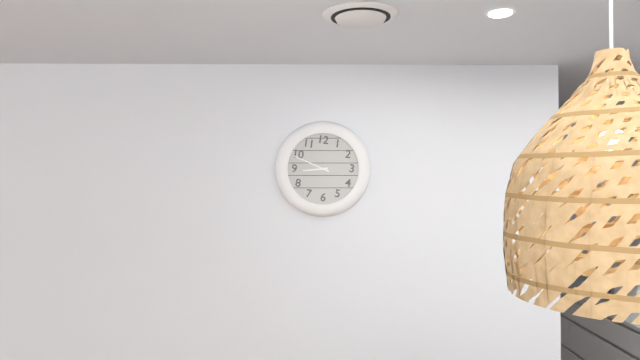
8:49
